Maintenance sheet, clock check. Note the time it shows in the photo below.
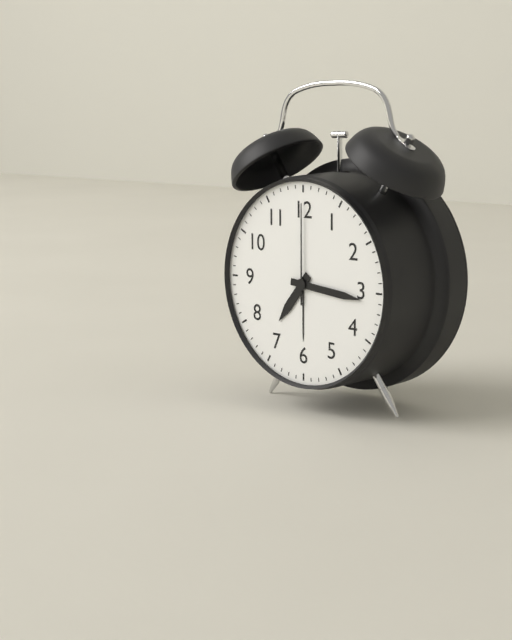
7:16:00
